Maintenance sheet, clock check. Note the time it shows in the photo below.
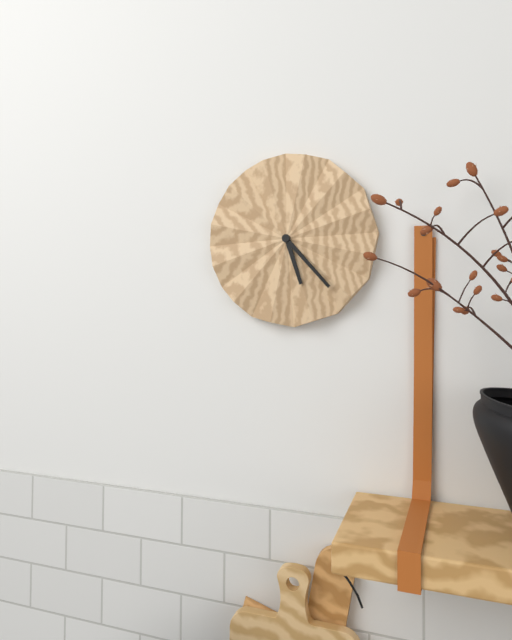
5:23
